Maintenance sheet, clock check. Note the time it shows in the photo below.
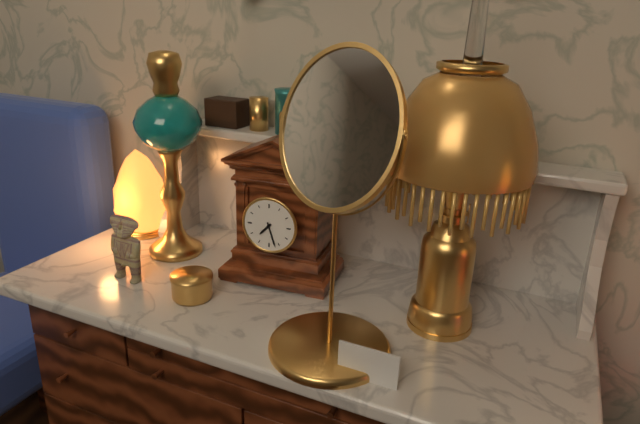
7:27
